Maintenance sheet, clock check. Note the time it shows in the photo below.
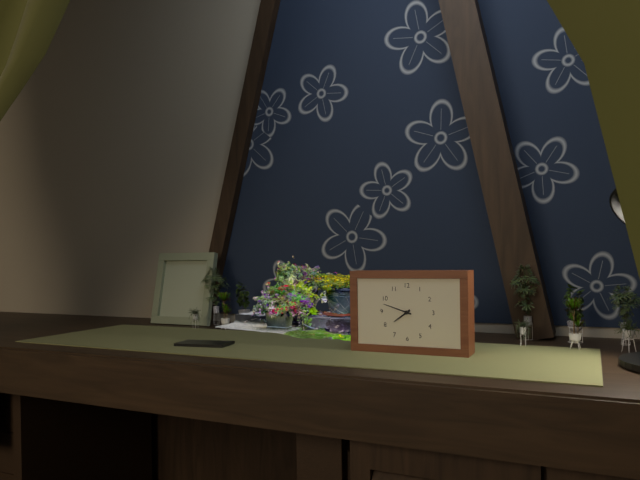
7:48
